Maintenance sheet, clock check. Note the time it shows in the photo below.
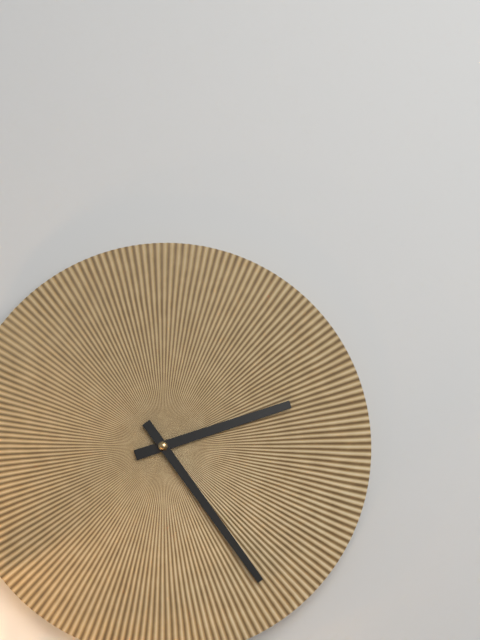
2:24
